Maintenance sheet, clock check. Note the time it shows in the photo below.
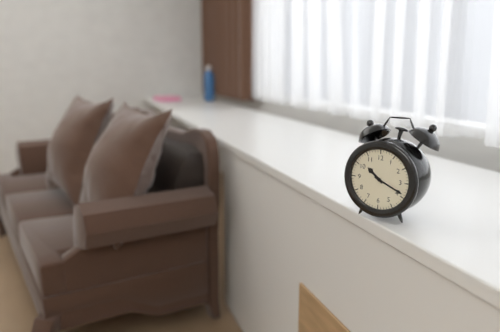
10:19
